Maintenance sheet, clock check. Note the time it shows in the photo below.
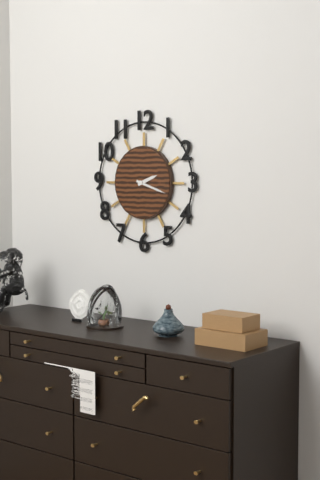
2:18
